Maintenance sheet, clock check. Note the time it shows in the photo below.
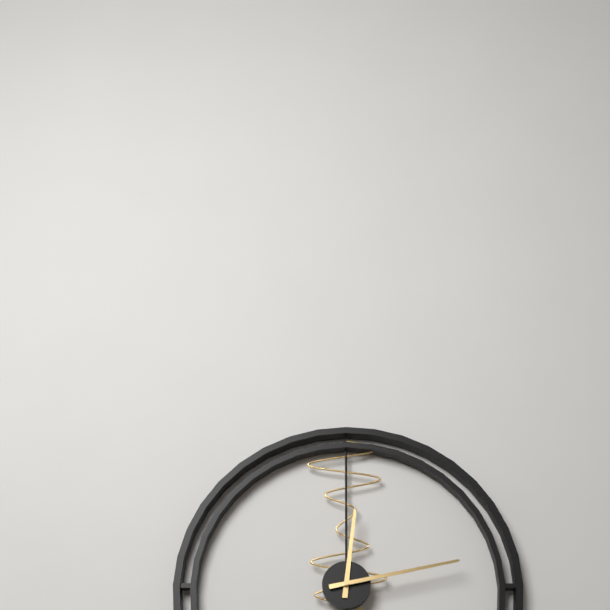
12:13
